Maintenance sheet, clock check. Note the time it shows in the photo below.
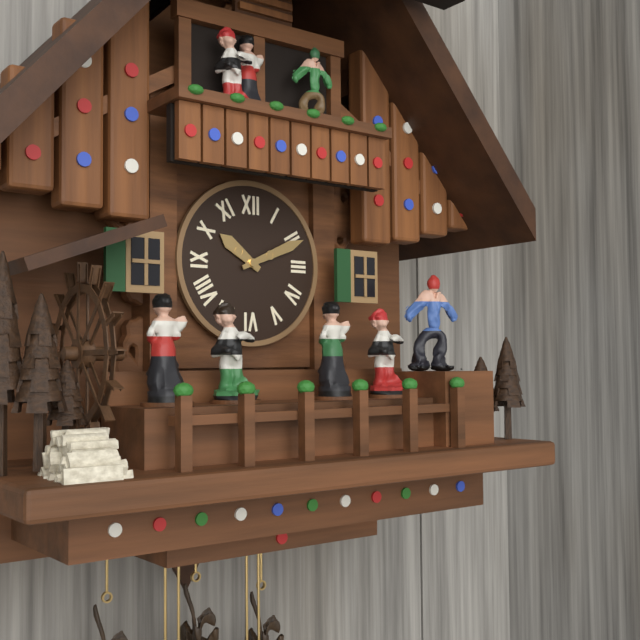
10:11
